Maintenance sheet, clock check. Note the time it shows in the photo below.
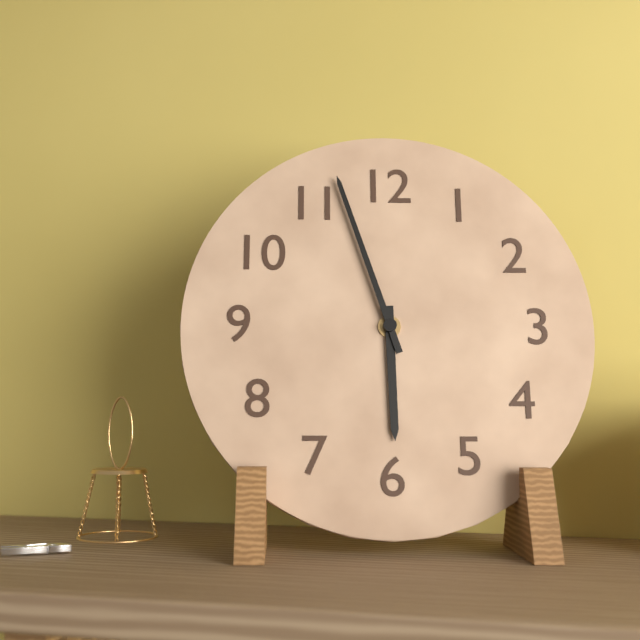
5:57
